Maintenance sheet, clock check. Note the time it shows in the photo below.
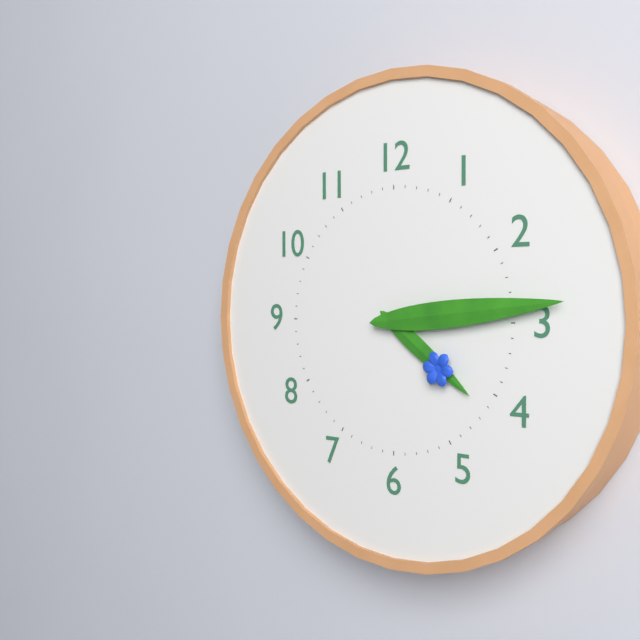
4:14
